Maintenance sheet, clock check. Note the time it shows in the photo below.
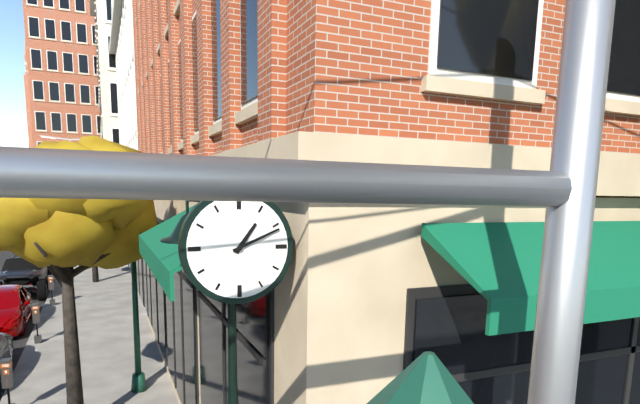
1:11
